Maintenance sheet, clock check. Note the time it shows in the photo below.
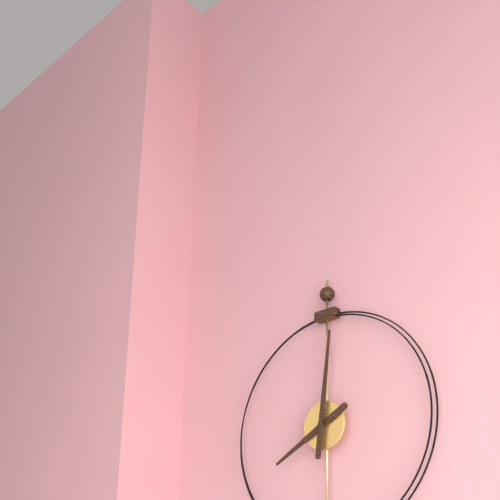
8:01
